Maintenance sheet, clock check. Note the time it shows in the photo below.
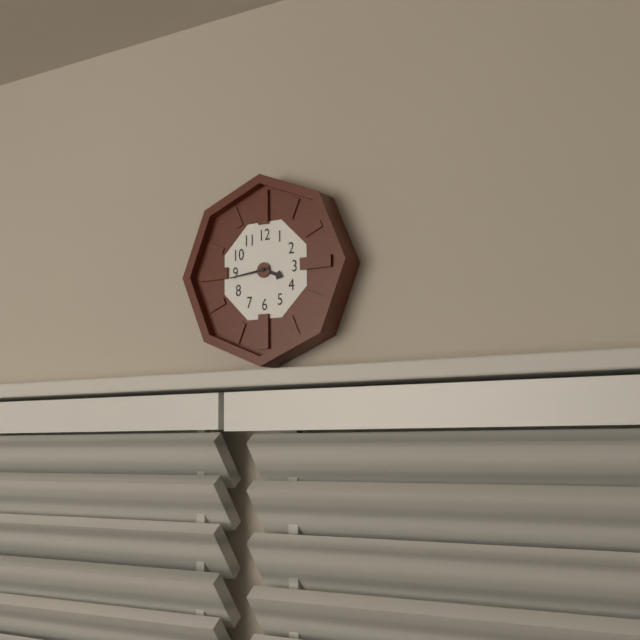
3:44
